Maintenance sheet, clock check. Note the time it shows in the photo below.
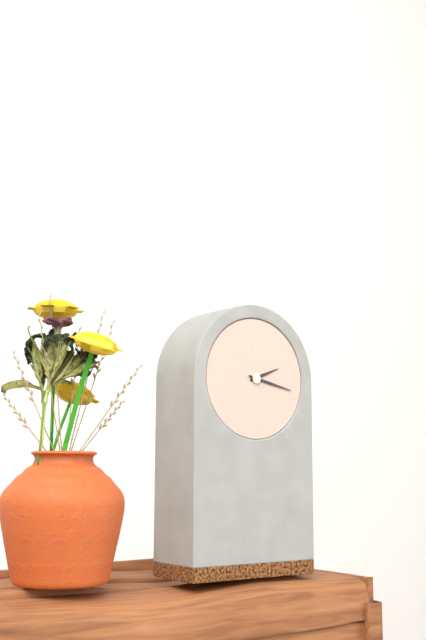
2:17
